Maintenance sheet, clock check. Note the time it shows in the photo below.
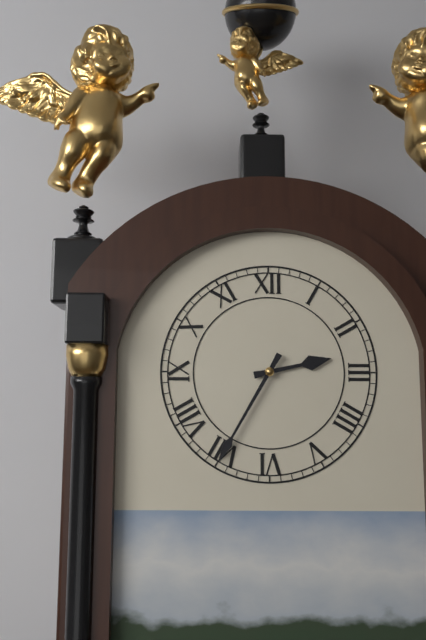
2:35
